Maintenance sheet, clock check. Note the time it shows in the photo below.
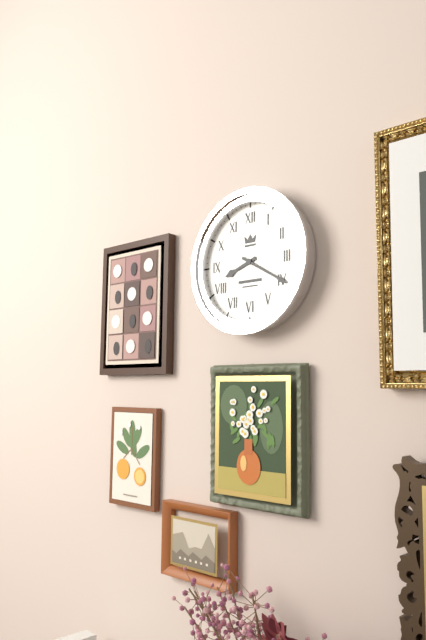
8:20
